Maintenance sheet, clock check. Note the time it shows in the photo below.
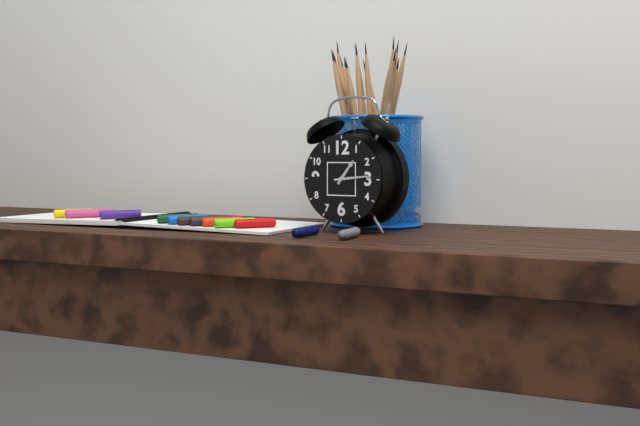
1:14
